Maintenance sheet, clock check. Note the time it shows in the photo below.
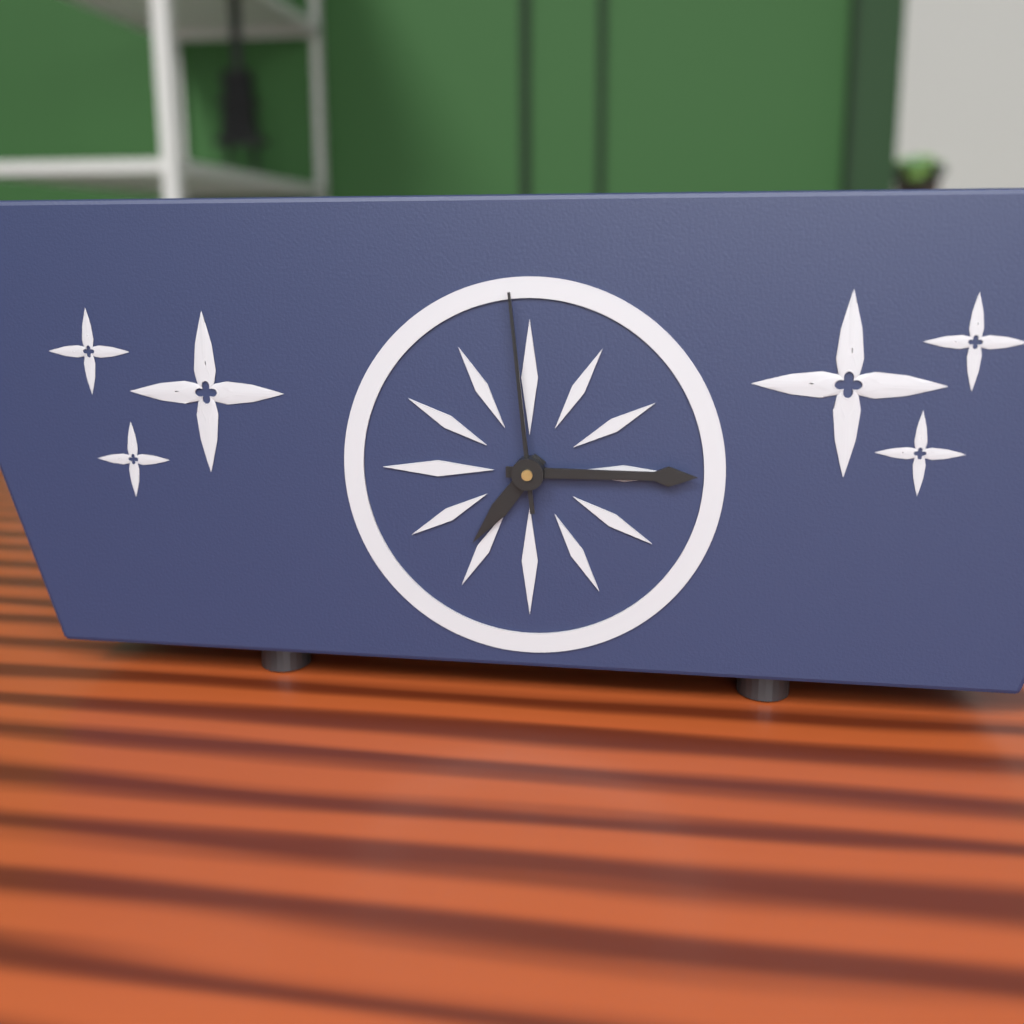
7:15:59
